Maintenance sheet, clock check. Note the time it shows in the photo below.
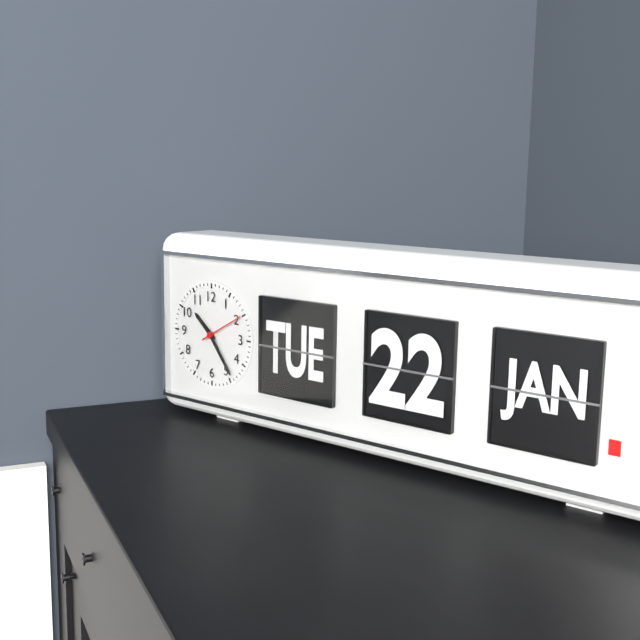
10:24
